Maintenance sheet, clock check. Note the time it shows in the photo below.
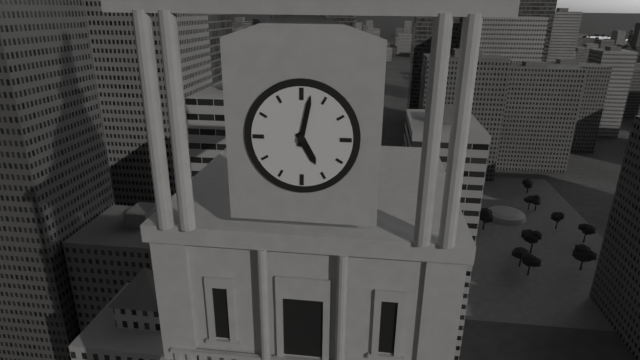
5:02
